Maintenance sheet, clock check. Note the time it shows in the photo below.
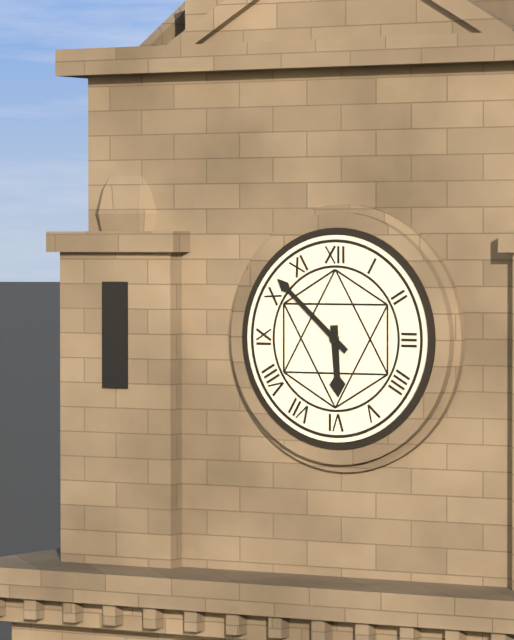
5:52
